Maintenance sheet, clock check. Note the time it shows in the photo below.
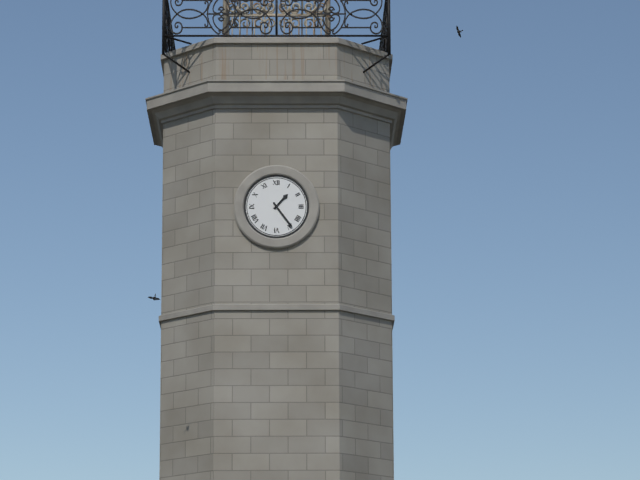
1:24
